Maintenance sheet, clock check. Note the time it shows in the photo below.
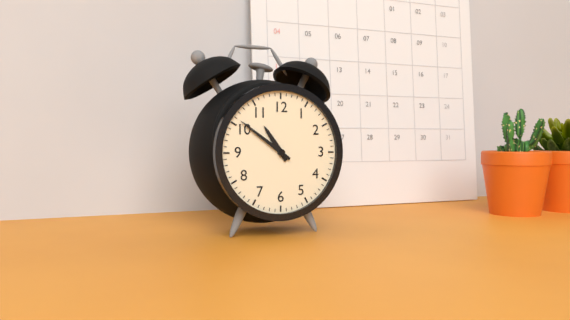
10:51
